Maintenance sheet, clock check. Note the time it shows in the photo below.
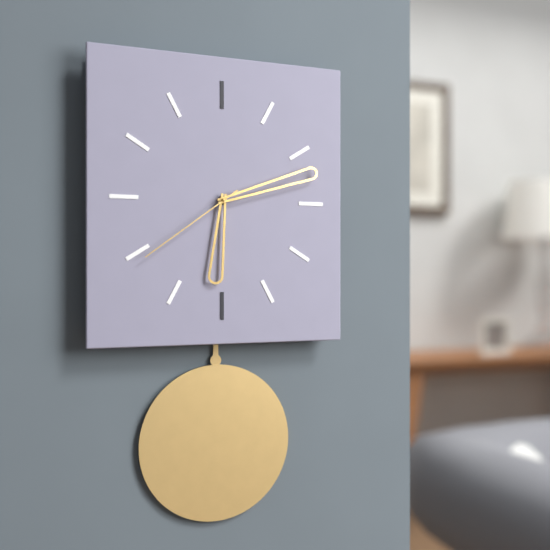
6:12:39
